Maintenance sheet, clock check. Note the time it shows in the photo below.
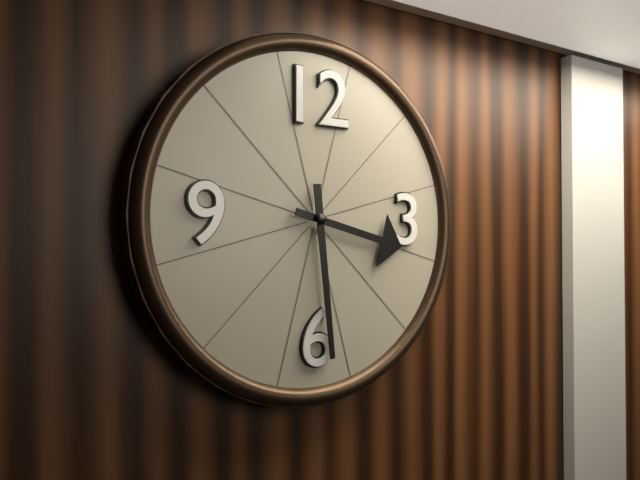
3:29
